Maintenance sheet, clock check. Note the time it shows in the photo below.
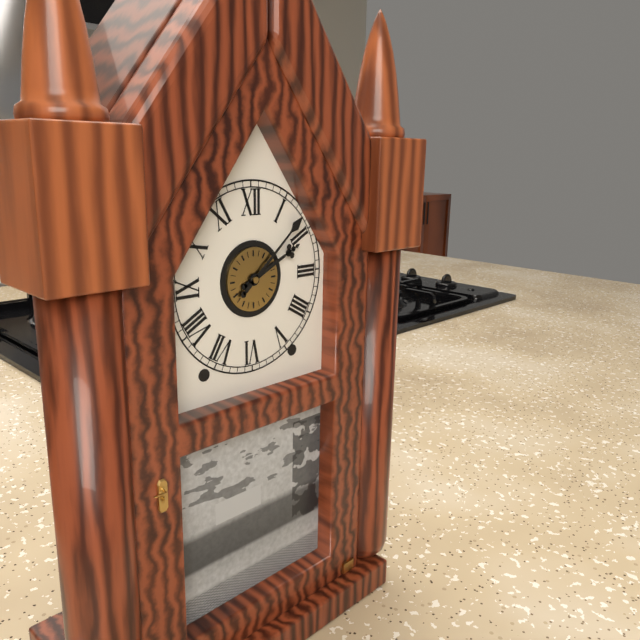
2:08
